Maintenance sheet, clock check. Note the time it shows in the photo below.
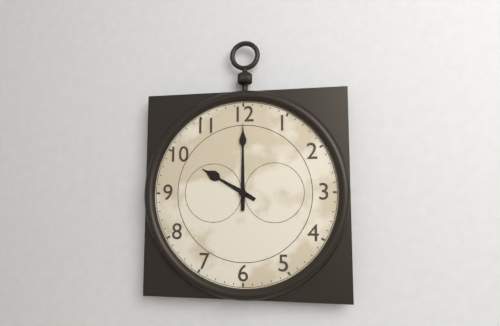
10:00
